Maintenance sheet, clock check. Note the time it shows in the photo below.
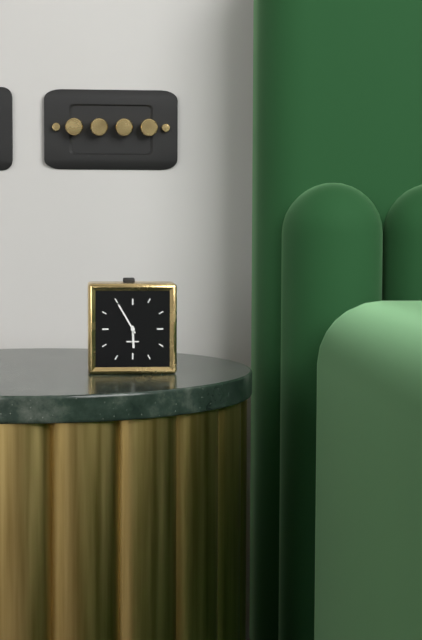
5:55
